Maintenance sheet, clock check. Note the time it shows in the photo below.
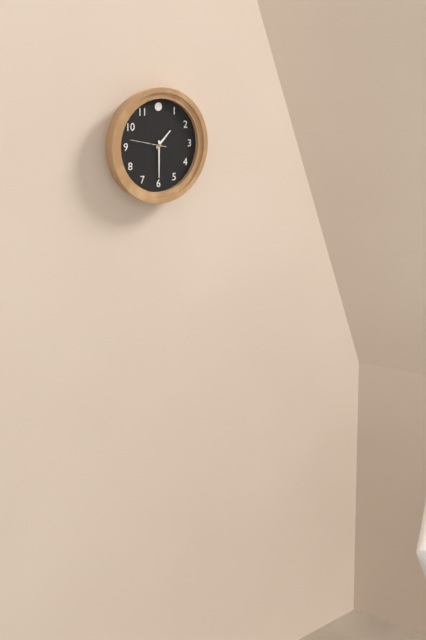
1:30
